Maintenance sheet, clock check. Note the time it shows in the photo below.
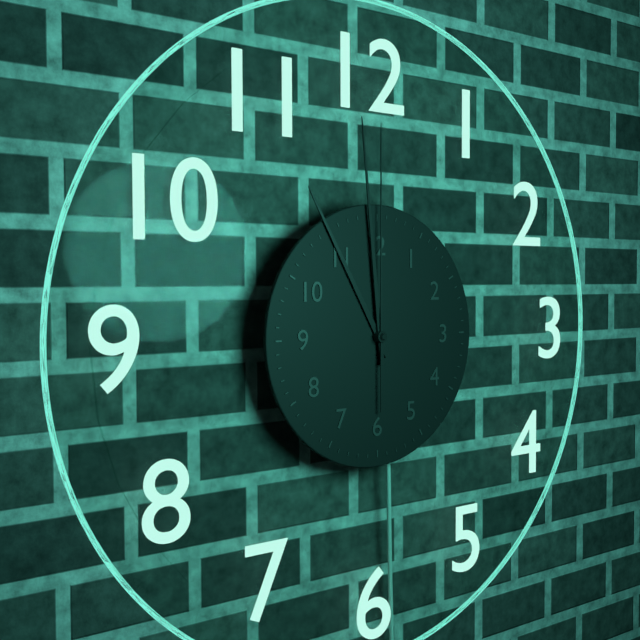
10:59:00
